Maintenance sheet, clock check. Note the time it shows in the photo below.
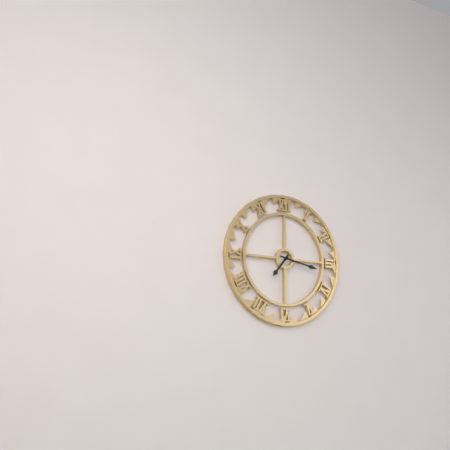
7:17
